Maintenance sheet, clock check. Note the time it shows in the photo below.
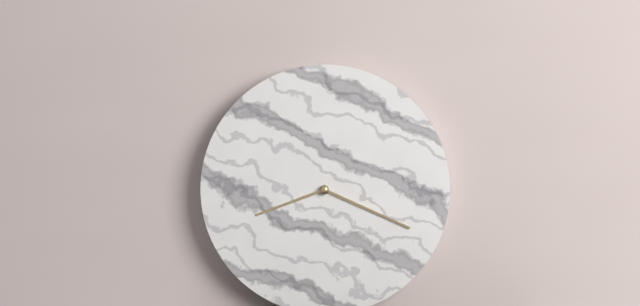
8:19
